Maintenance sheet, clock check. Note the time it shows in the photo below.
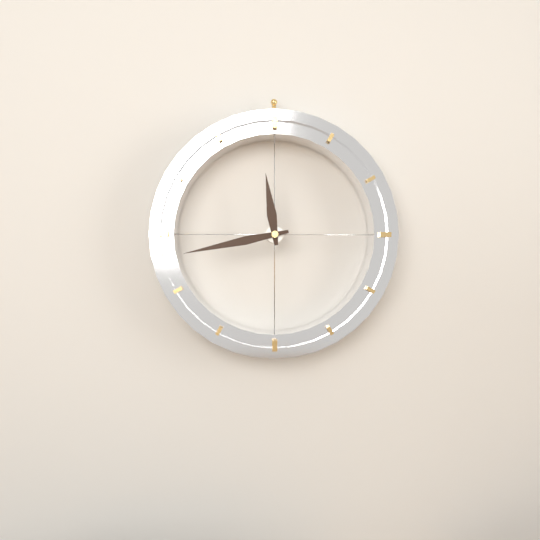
11:43
